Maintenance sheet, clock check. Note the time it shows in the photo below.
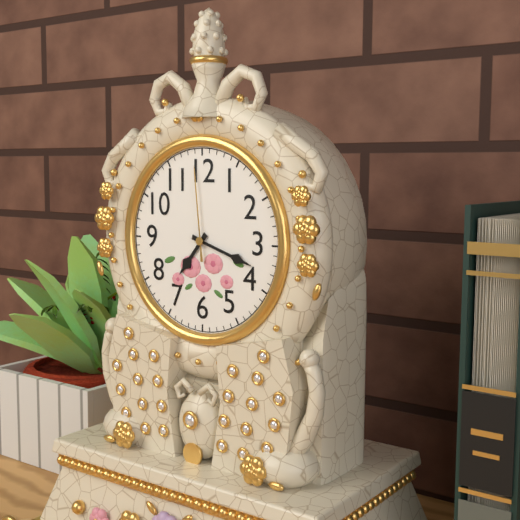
7:18:59
